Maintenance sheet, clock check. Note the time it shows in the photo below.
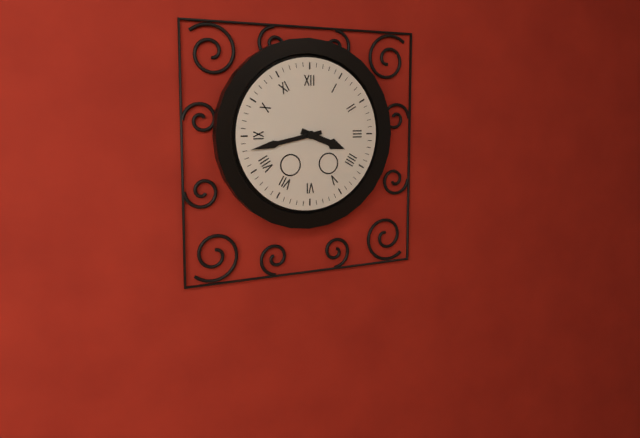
3:43
